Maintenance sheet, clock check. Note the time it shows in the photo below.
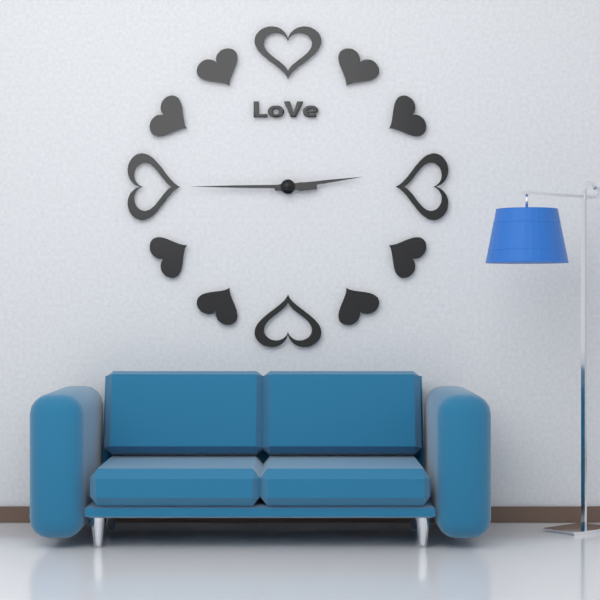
2:45
